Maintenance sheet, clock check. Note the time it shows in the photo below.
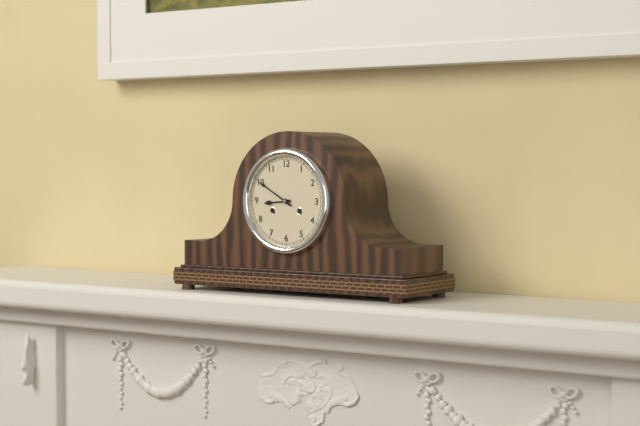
8:50
